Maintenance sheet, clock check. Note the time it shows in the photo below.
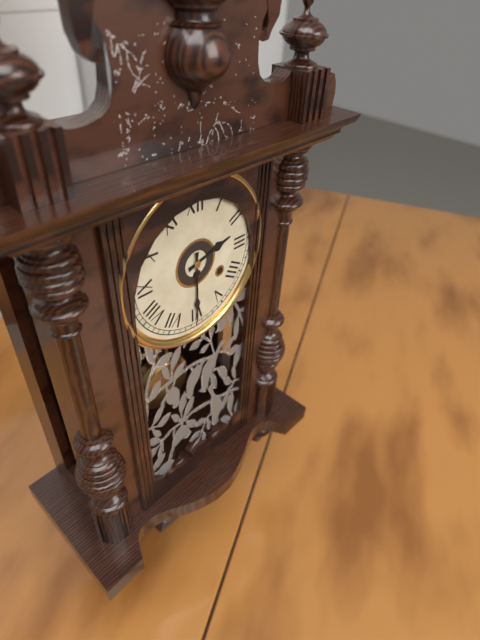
2:30
